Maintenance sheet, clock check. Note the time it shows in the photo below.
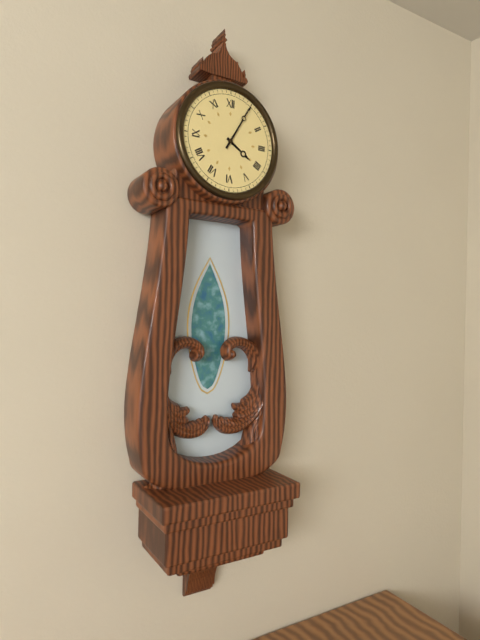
4:05
